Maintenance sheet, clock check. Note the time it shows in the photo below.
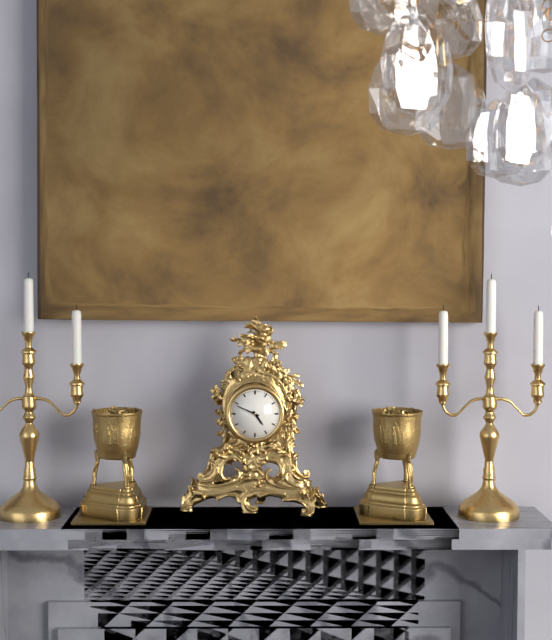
4:49
